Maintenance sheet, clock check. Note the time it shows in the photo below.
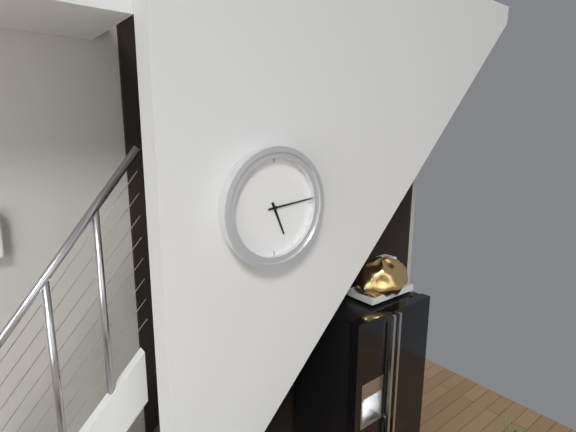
5:14
